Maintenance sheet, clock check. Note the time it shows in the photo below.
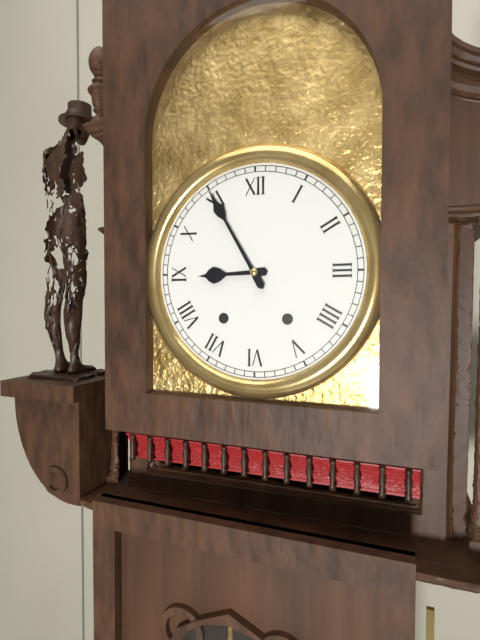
8:55
